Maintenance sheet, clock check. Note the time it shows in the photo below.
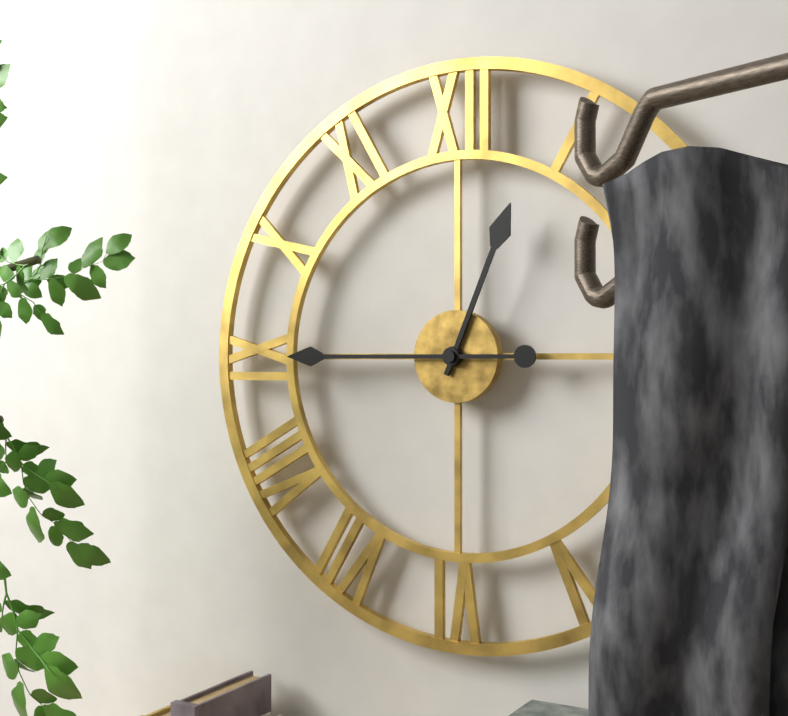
12:45
